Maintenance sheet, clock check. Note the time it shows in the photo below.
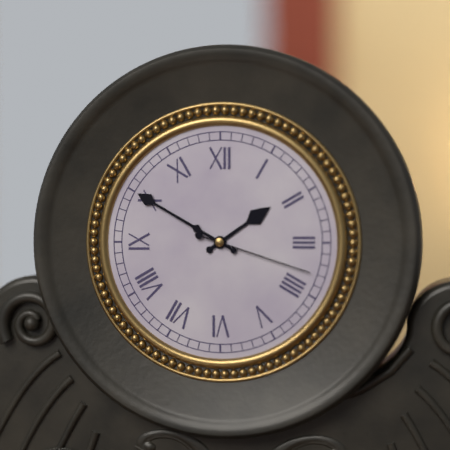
1:50:18
